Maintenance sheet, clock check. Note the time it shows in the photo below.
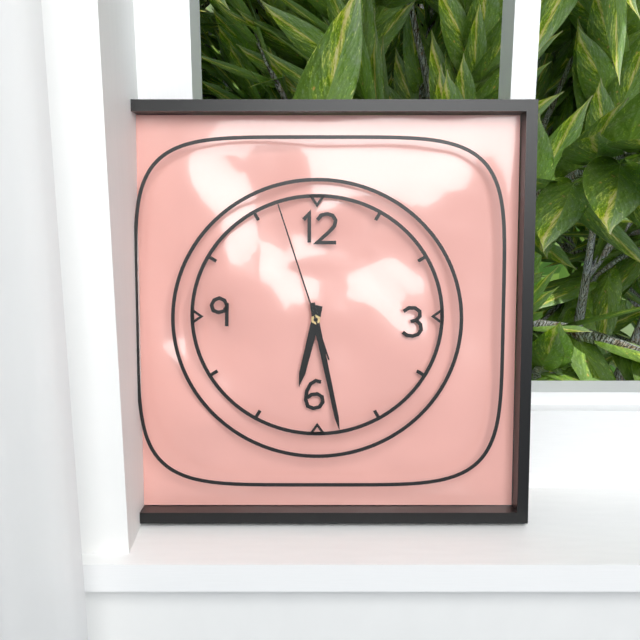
6:28:57
